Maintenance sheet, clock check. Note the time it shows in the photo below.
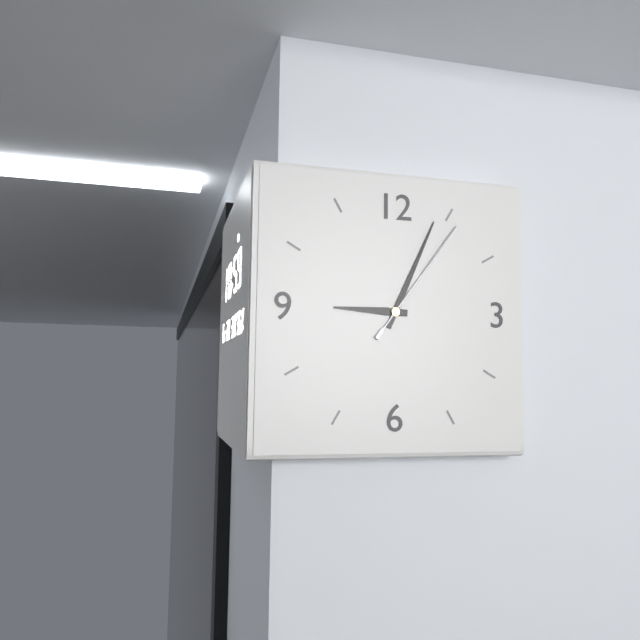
9:04:06
